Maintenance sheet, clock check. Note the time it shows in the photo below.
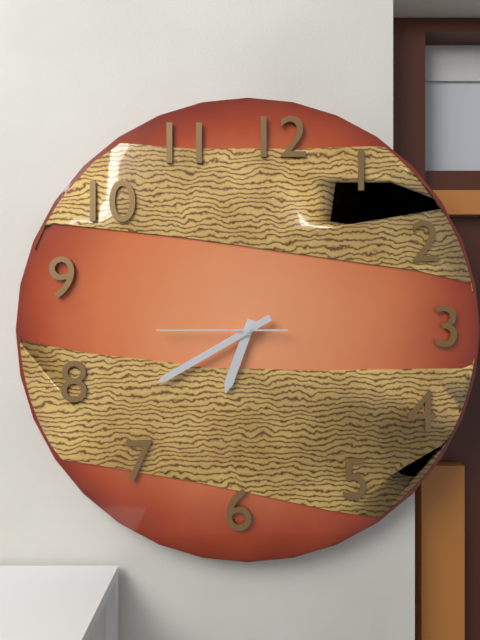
6:40:45
